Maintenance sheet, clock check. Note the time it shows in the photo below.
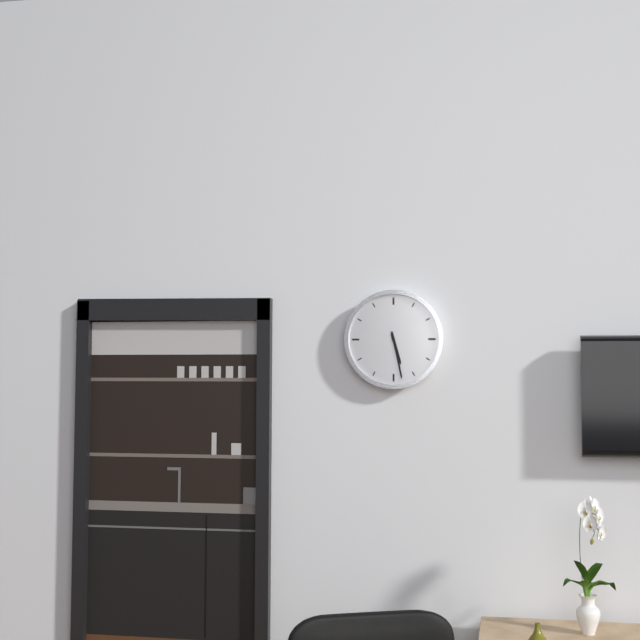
5:28
